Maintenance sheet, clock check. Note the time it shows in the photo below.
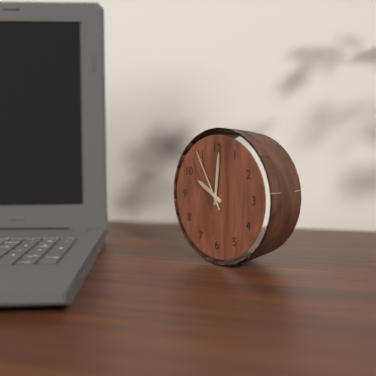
10:01:55
